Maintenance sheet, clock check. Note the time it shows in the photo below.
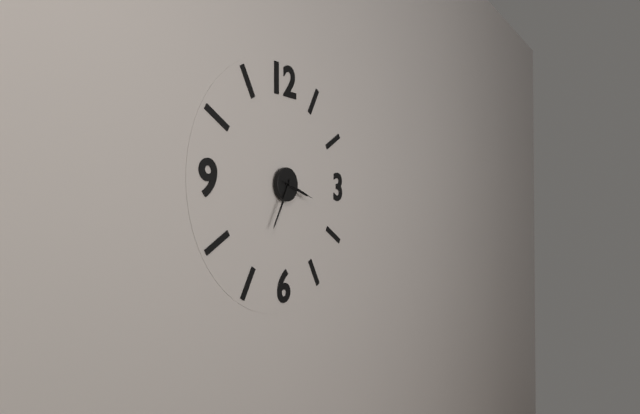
3:35
